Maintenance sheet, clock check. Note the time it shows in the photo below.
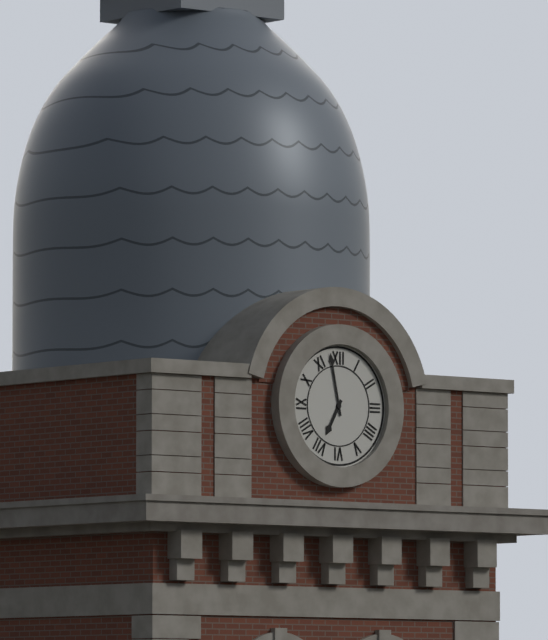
6:58
